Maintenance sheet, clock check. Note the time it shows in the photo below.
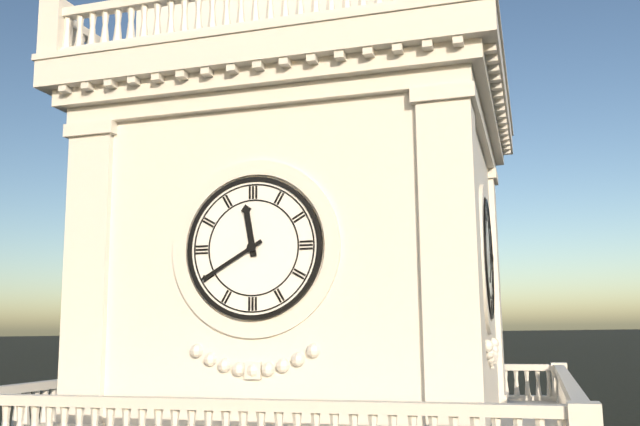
11:40
